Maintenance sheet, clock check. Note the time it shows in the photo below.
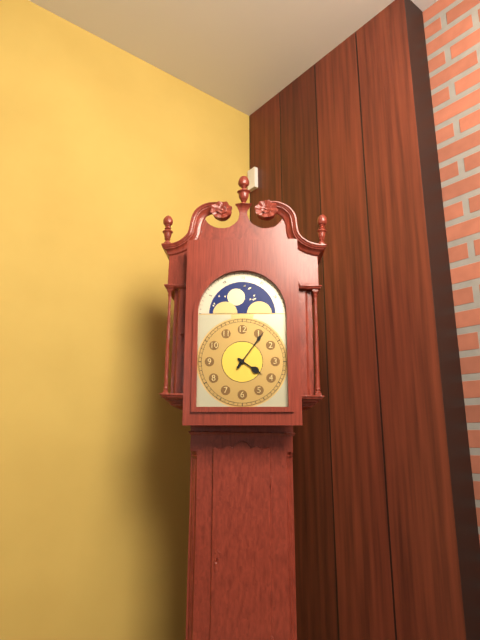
4:06
